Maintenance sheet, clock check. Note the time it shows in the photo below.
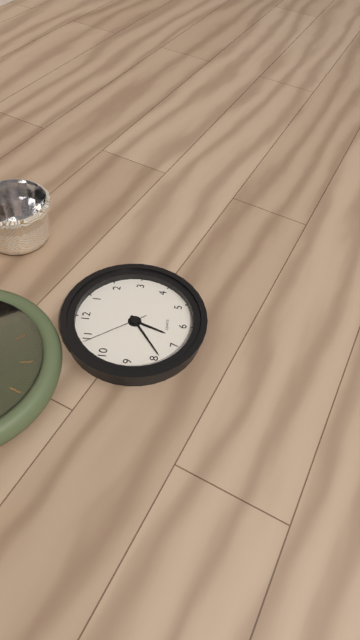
6:39:54
